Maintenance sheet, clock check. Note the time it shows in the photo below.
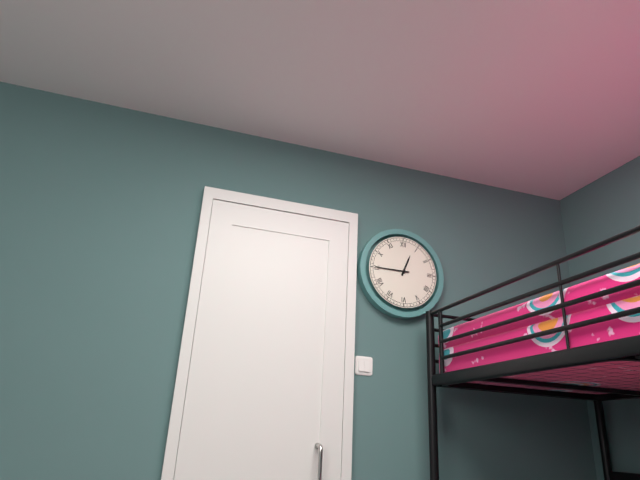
12:45
